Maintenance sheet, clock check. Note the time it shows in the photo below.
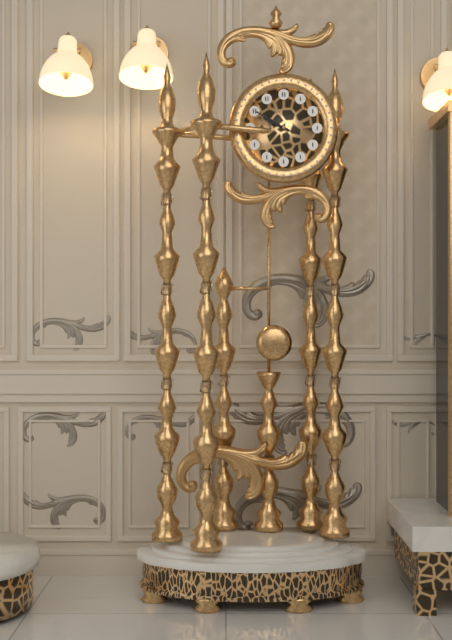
9:50
